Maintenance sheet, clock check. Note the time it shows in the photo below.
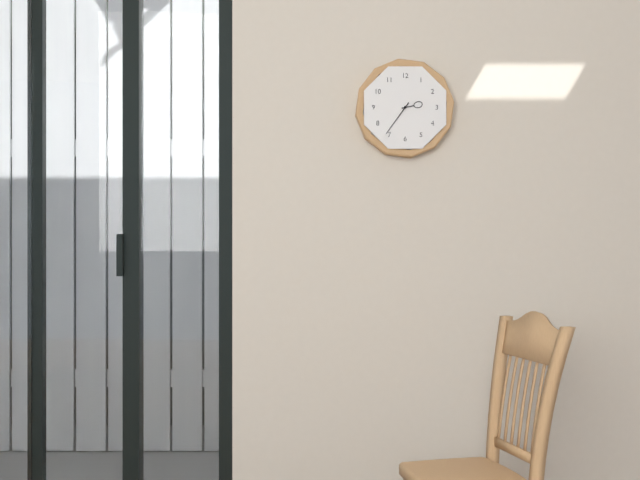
2:36
